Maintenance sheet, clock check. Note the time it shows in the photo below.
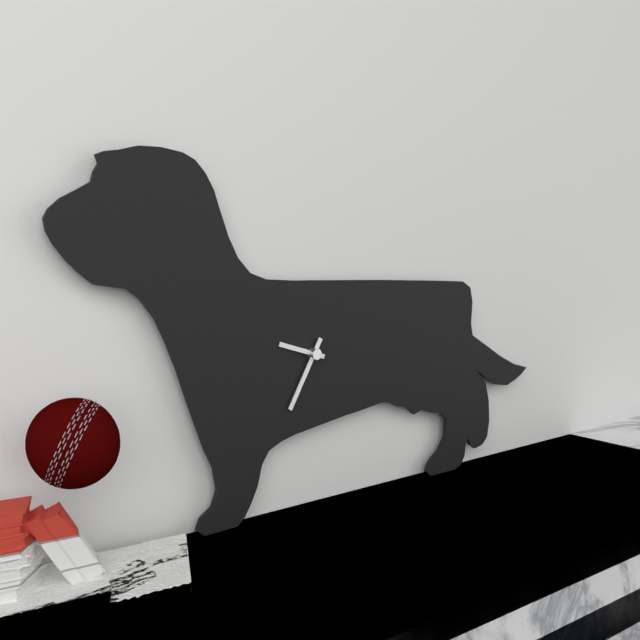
9:35
